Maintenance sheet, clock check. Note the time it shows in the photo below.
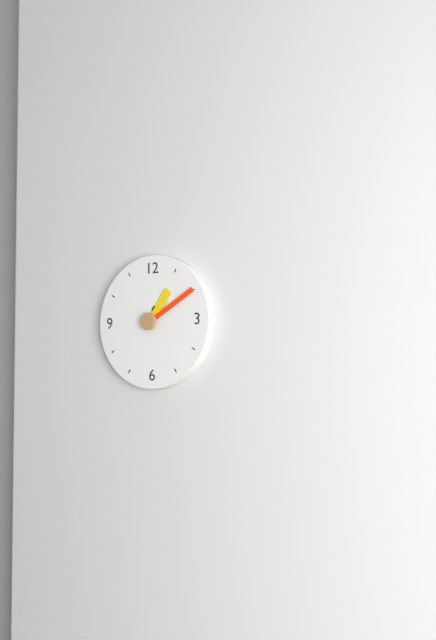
1:10
